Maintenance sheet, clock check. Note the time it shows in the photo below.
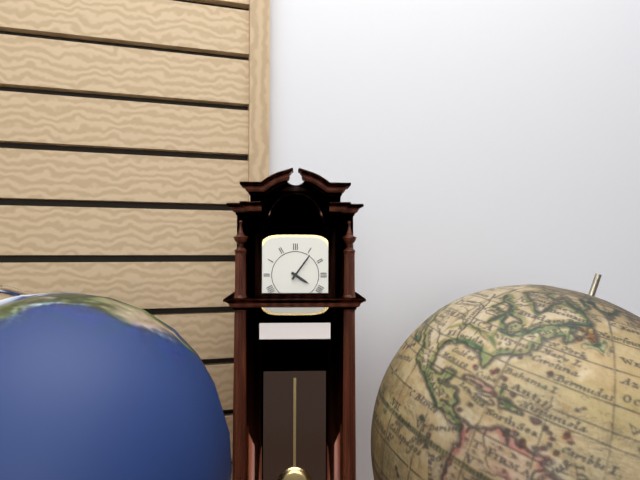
4:06
